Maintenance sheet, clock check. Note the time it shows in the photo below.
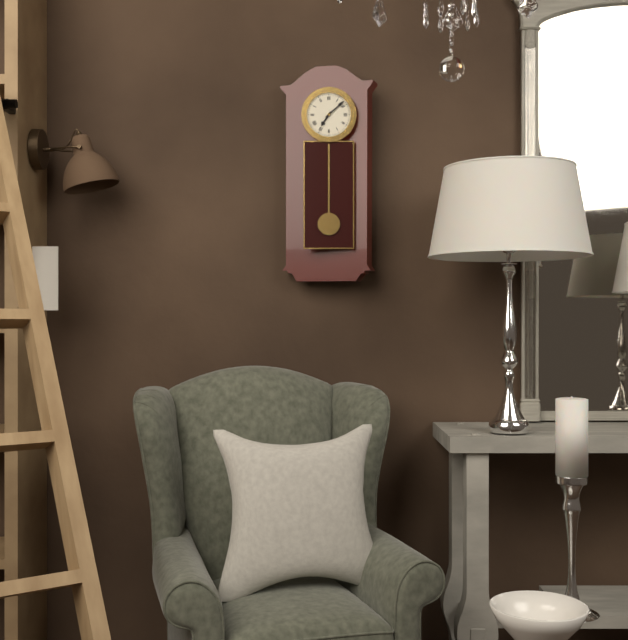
7:08
